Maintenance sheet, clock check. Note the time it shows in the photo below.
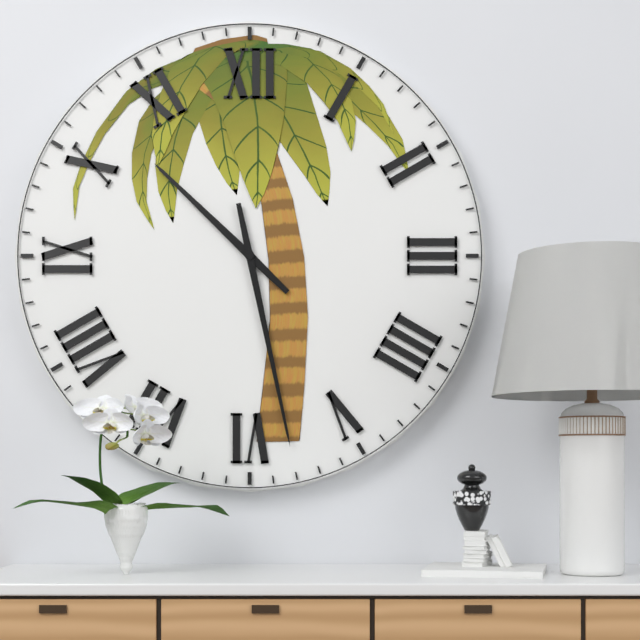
10:28
